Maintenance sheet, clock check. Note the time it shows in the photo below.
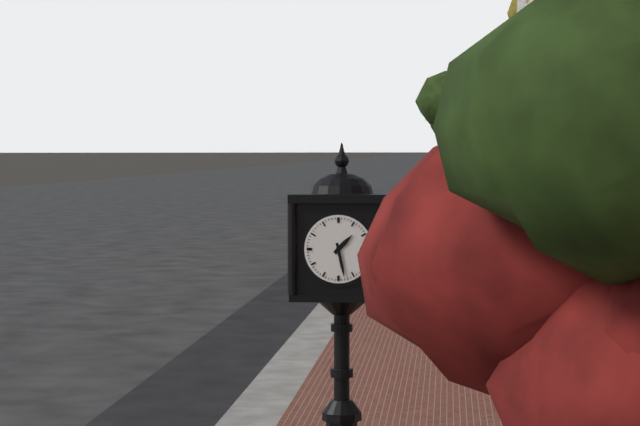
1:28
